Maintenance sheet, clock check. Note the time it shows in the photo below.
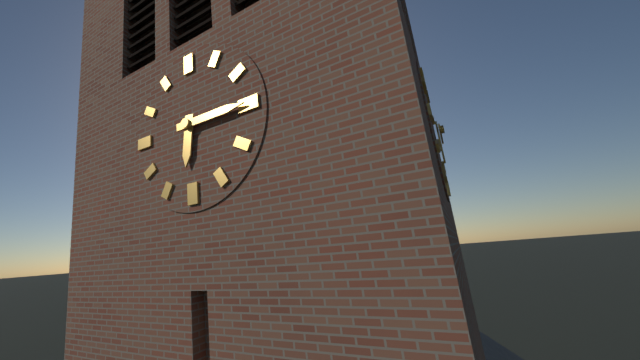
6:15
